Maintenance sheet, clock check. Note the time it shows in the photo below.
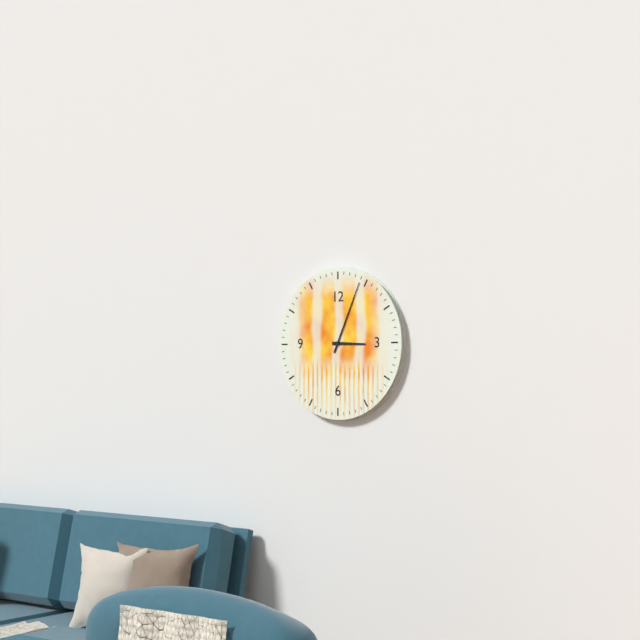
3:04
